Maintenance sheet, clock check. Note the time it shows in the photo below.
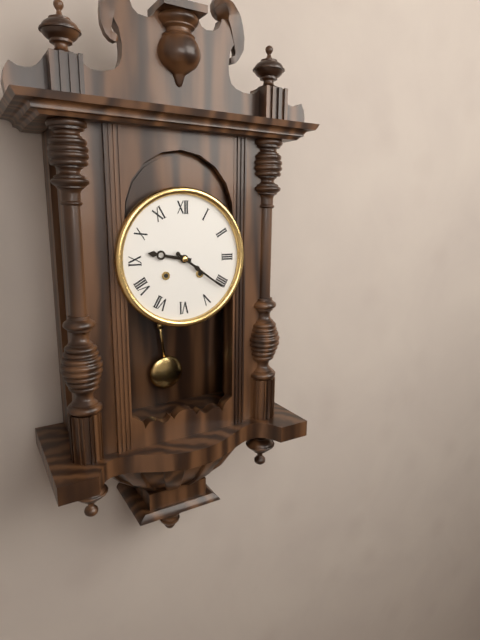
9:21
